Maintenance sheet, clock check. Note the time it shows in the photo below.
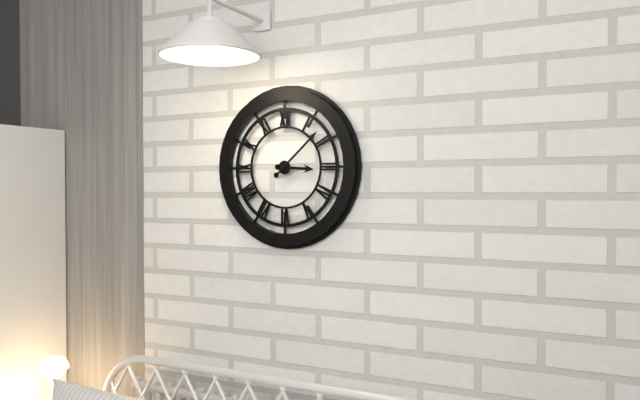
3:08
